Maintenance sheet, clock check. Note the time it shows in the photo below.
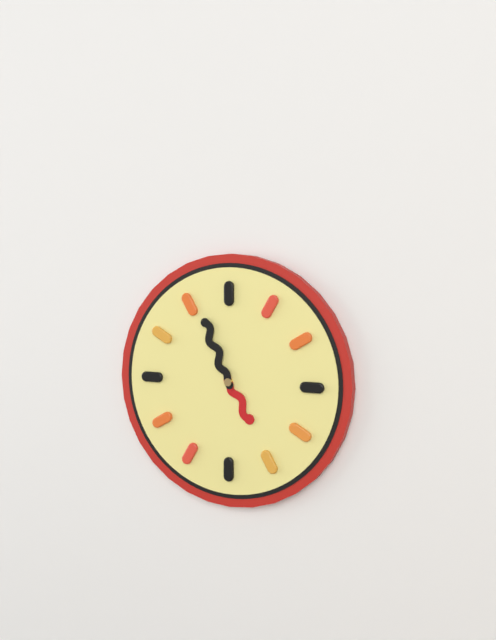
4:56
